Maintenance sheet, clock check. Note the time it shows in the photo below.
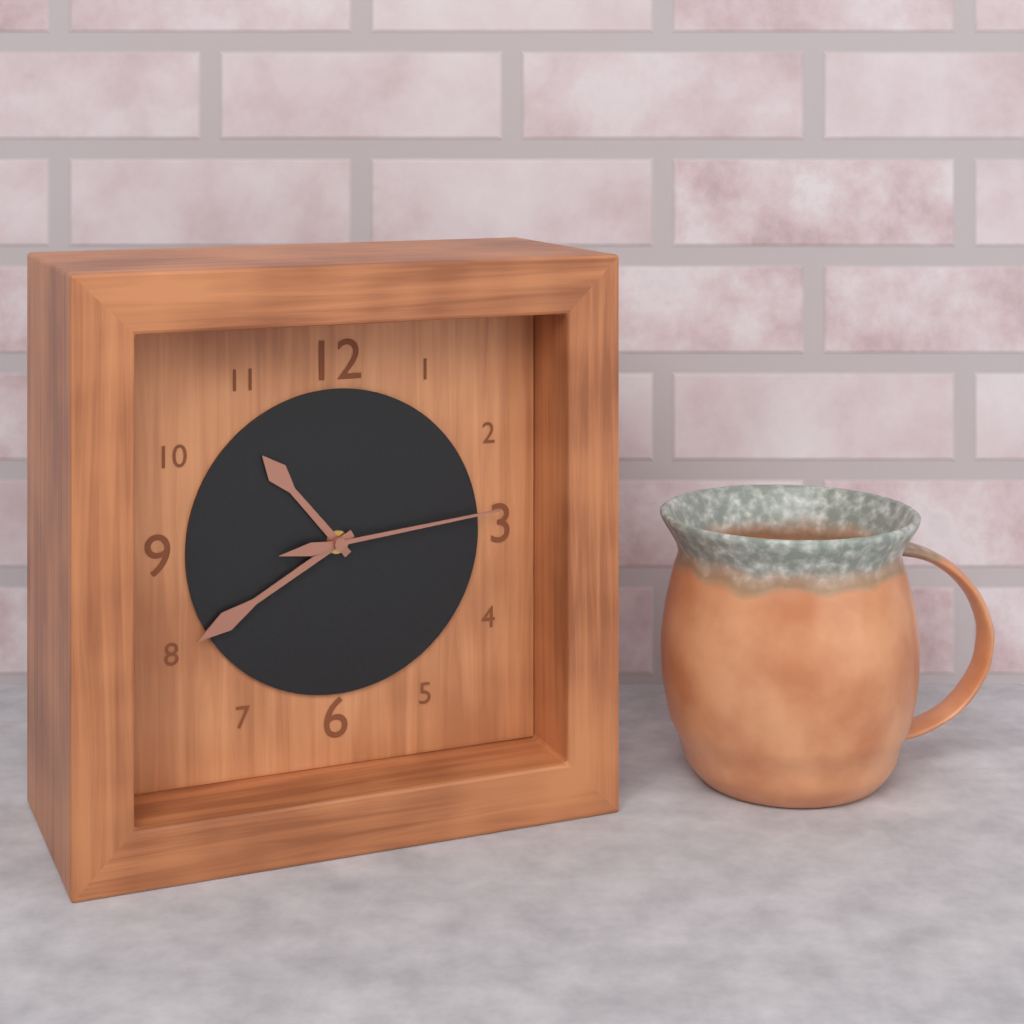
10:40:14
